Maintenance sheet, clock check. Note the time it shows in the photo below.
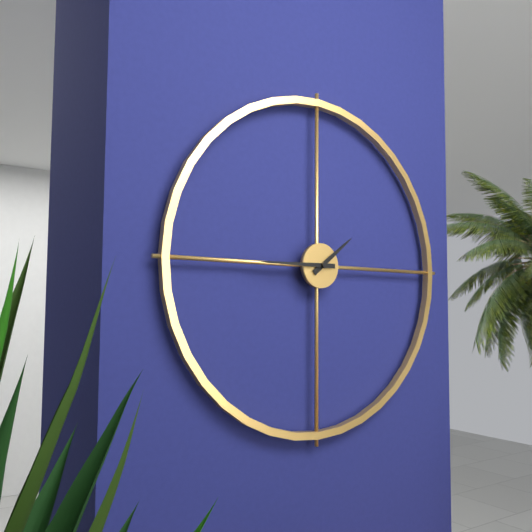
1:45
